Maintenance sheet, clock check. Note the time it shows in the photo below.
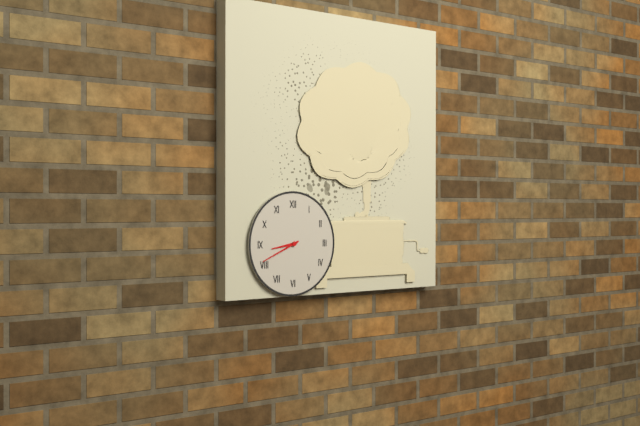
8:41
